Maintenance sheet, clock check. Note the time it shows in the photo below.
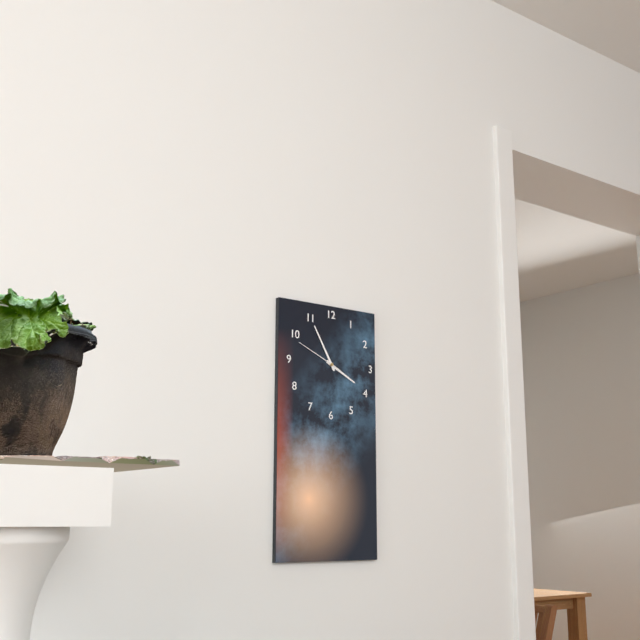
3:55
